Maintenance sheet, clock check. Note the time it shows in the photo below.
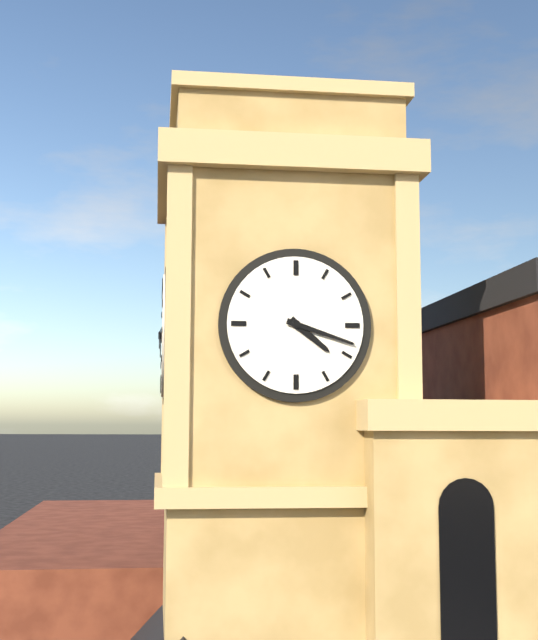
4:18
